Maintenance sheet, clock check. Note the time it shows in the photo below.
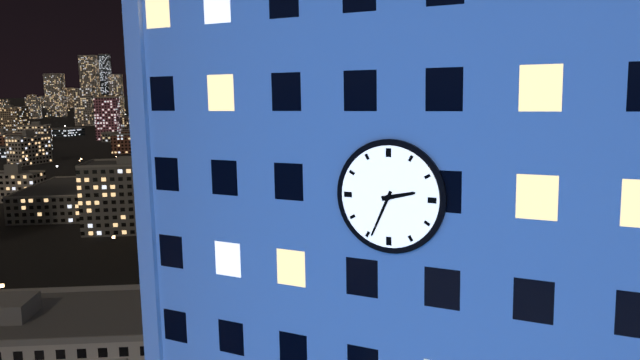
2:34
